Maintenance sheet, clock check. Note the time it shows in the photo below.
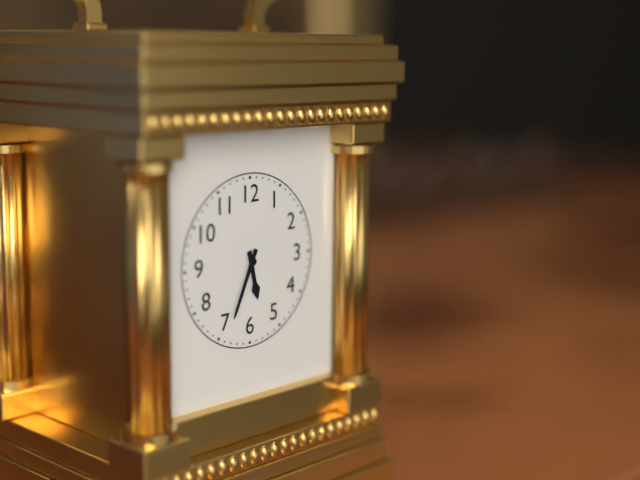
5:34
